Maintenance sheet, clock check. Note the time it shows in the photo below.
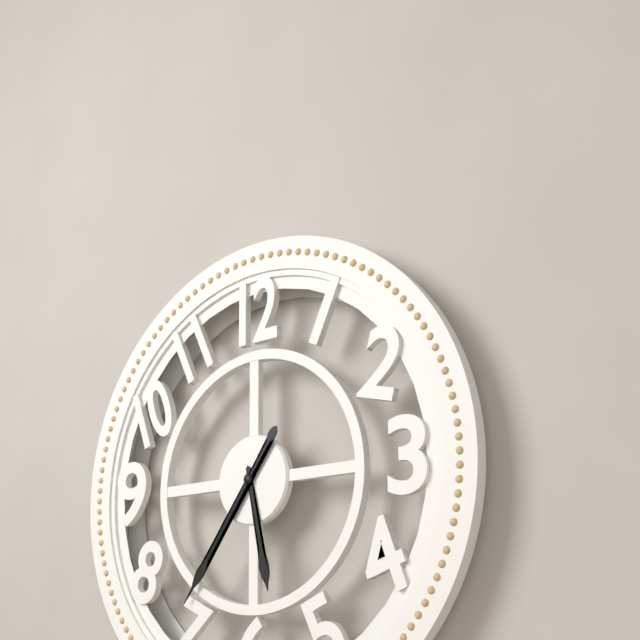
5:36
